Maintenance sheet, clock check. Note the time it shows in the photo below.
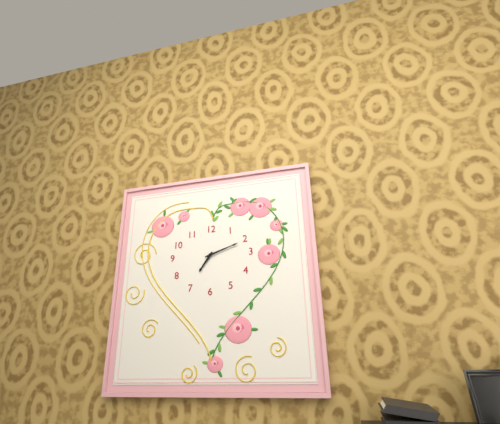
7:12
